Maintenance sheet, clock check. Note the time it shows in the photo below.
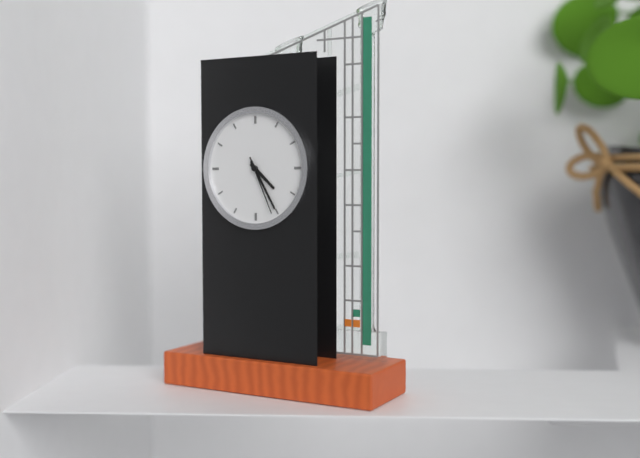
4:25:26
